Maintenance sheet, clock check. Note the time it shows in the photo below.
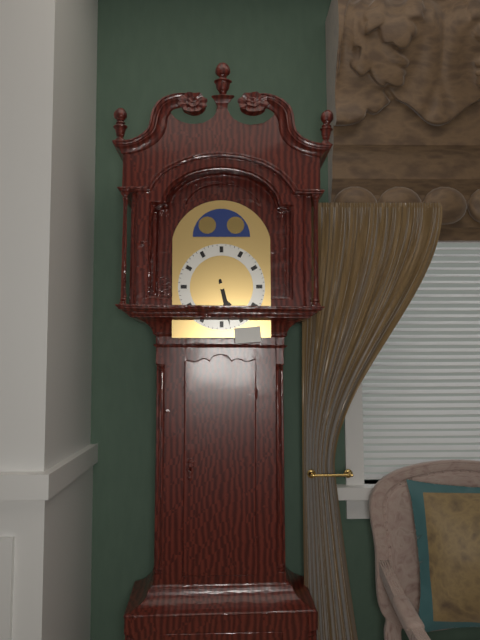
5:28
